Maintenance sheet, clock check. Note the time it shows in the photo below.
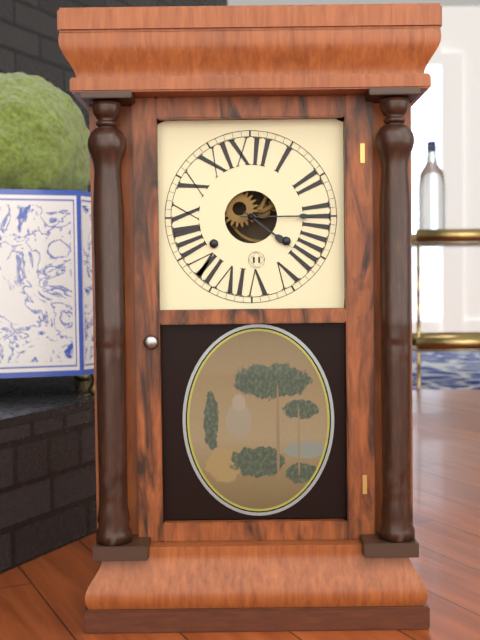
4:15
